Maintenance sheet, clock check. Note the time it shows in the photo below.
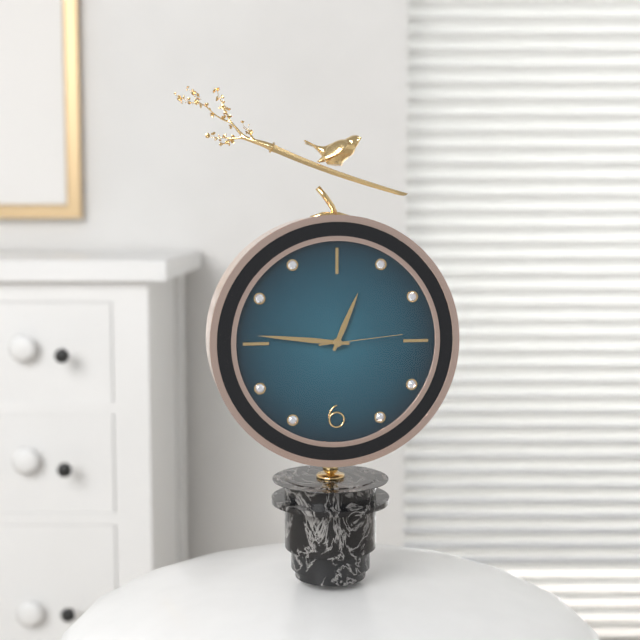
12:46:14
